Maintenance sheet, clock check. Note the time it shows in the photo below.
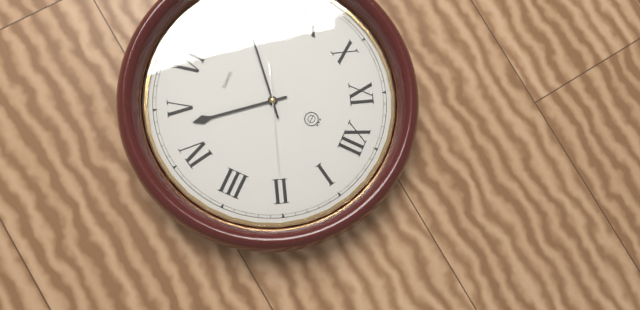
4:38:10
